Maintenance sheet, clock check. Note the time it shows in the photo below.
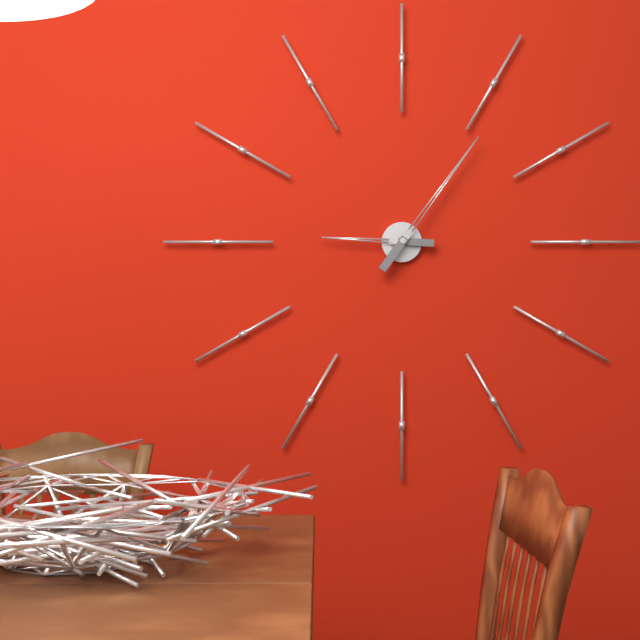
9:06
